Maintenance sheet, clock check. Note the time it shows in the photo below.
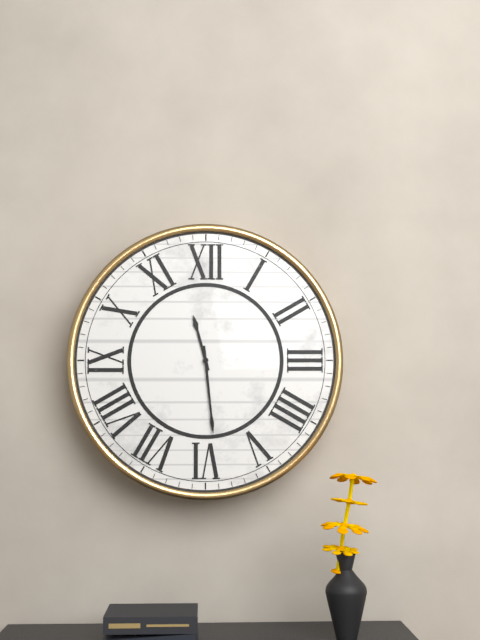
11:29
